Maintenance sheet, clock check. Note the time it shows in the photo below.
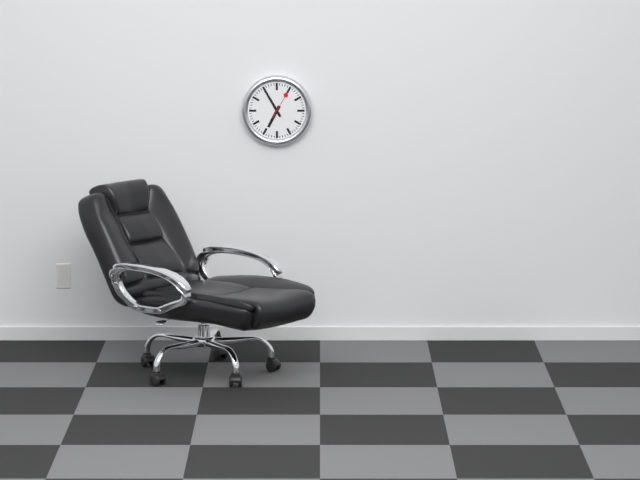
6:55
